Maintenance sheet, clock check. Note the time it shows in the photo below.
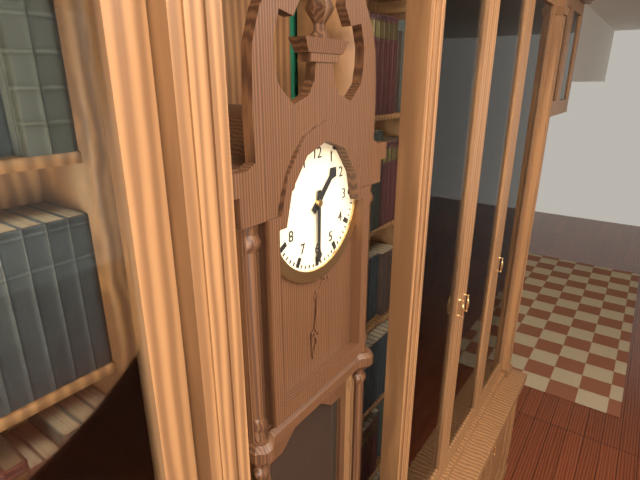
1:30
